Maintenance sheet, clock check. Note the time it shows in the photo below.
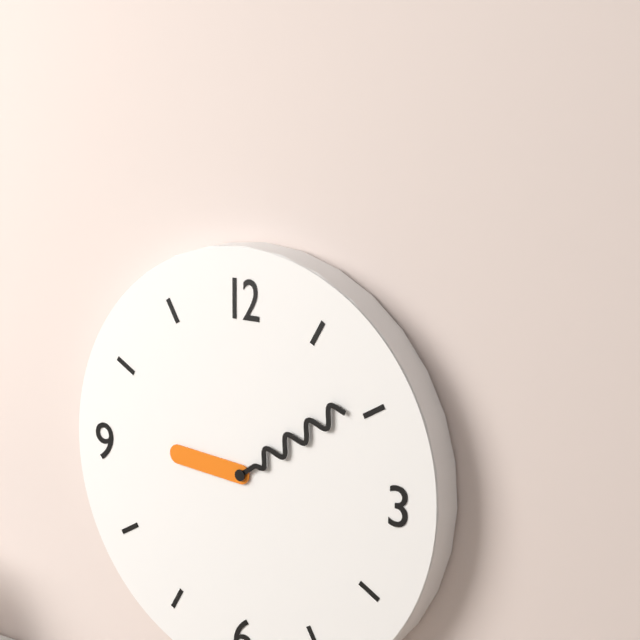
9:09
